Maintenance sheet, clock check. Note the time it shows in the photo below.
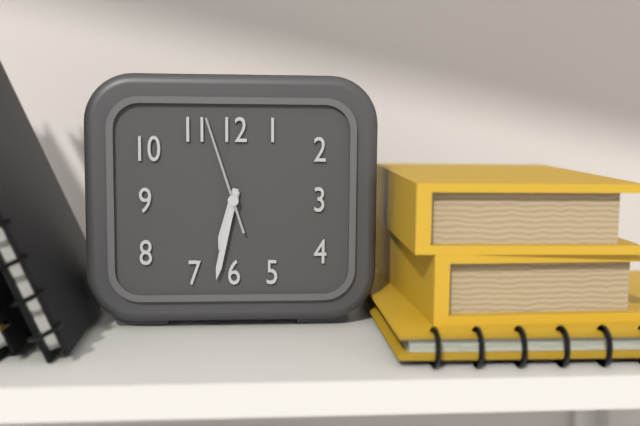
6:32:57
